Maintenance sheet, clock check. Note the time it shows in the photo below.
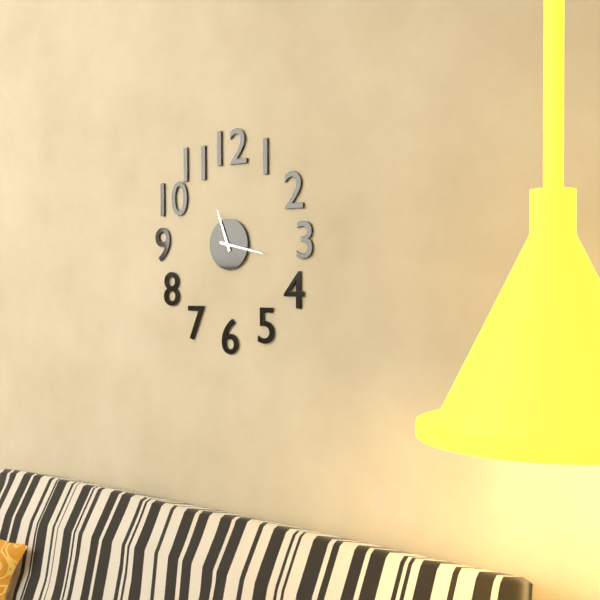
11:17
